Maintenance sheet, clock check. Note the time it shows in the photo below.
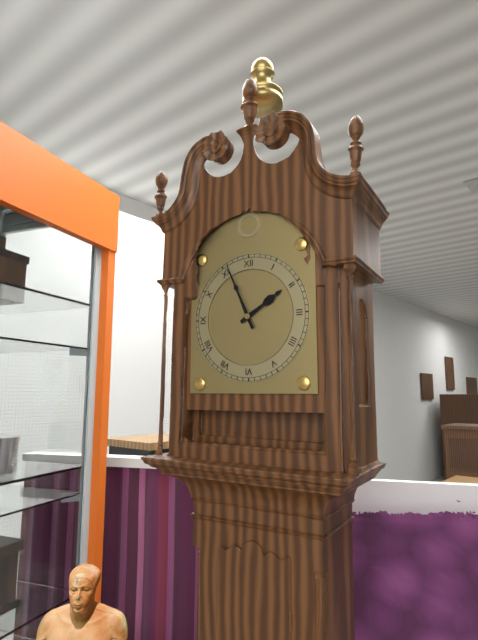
1:56
